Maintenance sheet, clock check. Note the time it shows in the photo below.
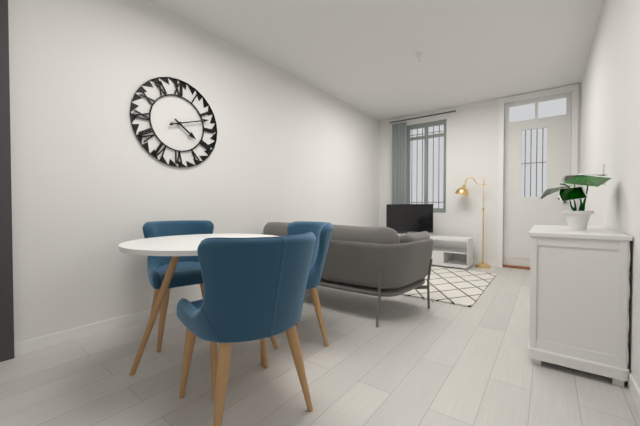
4:12
